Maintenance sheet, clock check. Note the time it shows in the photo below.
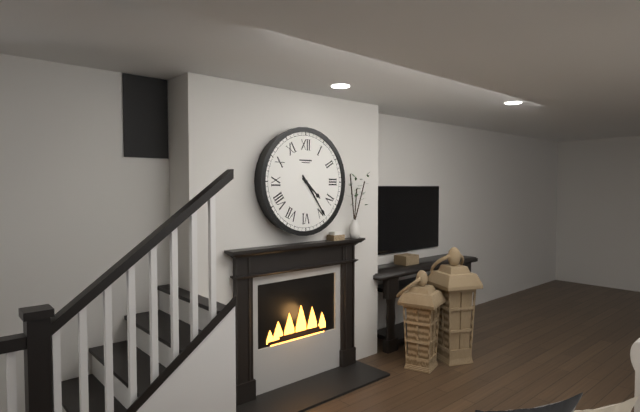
4:24
